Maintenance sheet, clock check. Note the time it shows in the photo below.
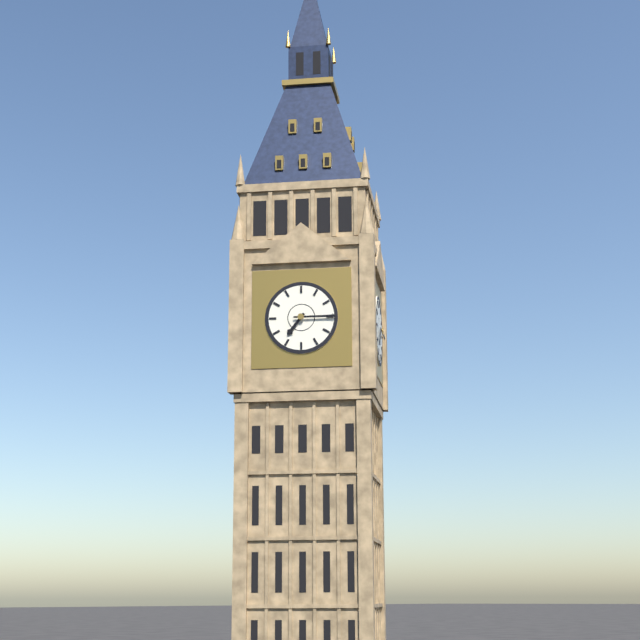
7:15
